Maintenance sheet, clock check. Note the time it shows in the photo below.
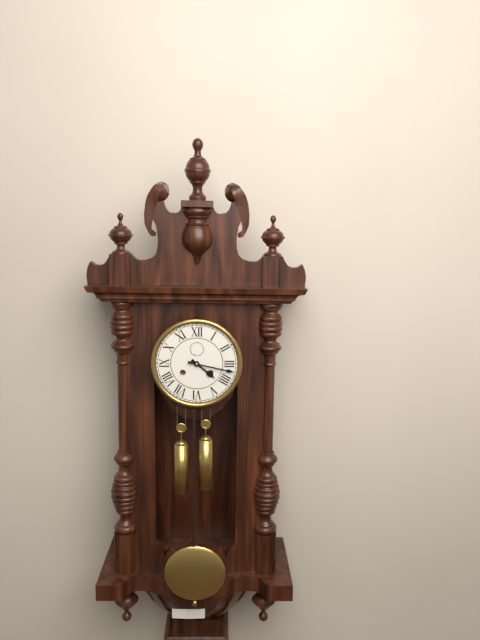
4:17
